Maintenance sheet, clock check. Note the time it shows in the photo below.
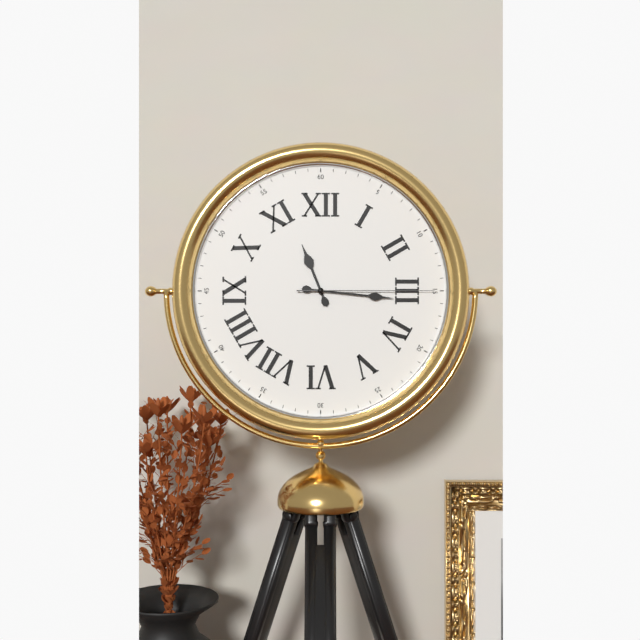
11:16:15
